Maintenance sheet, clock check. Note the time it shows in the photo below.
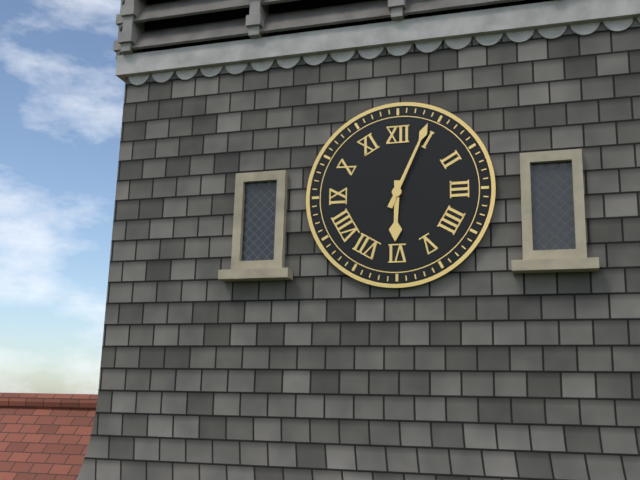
6:04
